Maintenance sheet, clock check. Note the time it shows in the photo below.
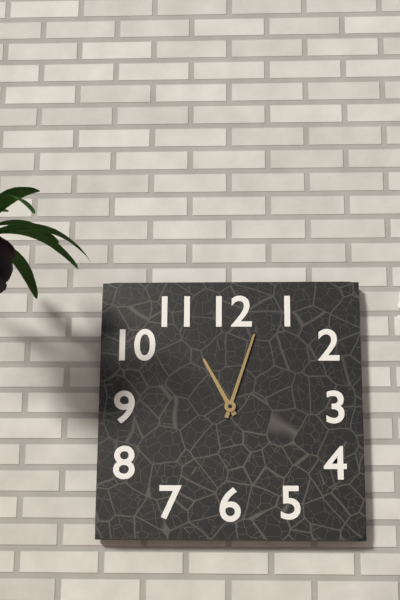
11:03
